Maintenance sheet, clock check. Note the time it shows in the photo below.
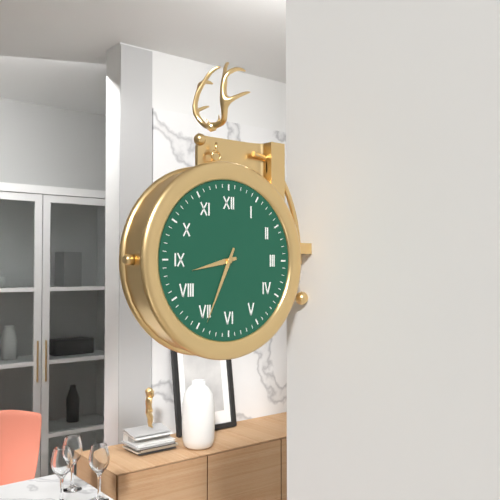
8:34
